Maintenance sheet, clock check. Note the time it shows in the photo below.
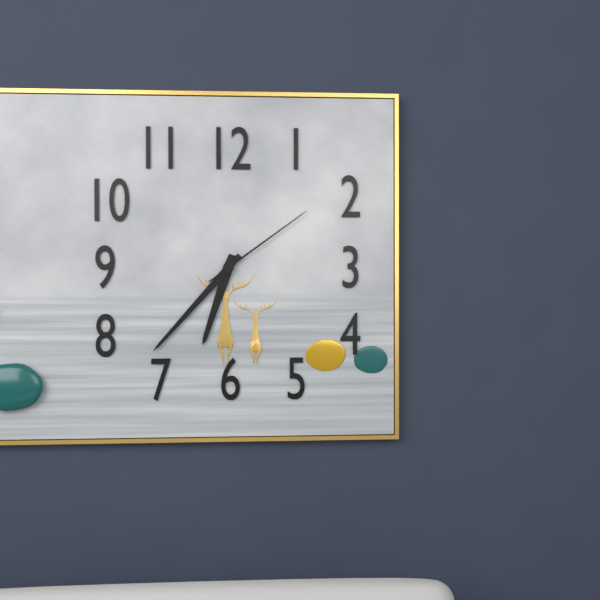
6:37:09
